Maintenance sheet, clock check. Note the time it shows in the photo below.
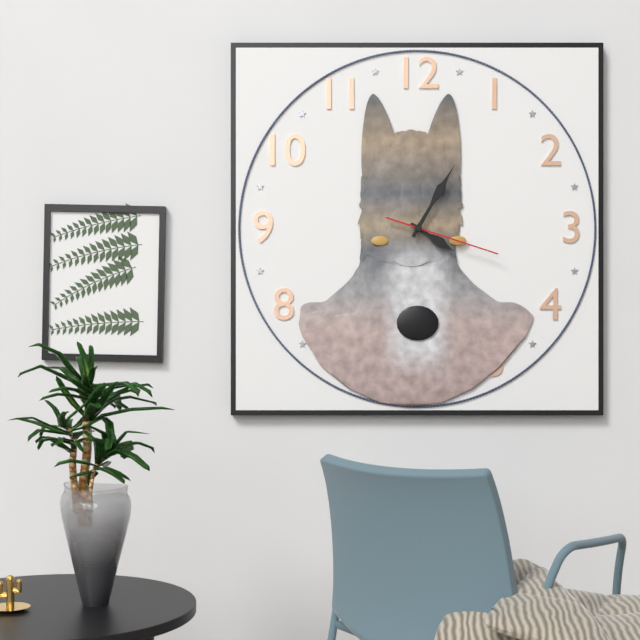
4:05:18
